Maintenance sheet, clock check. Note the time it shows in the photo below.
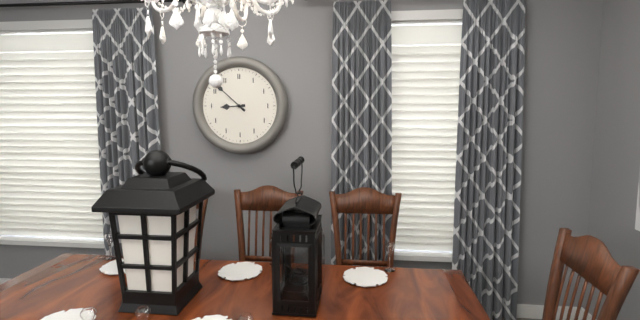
8:52
